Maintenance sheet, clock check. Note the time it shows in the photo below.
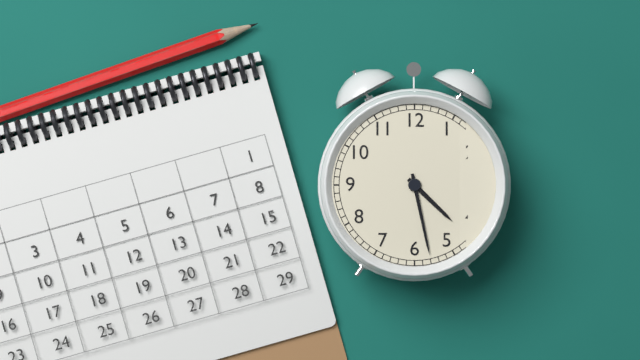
4:28
